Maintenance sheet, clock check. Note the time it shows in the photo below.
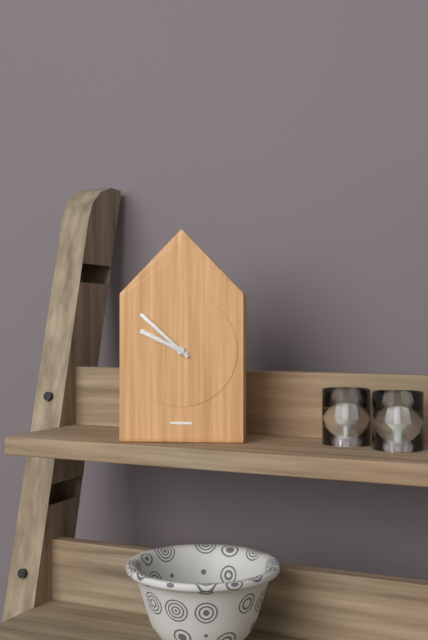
9:52
